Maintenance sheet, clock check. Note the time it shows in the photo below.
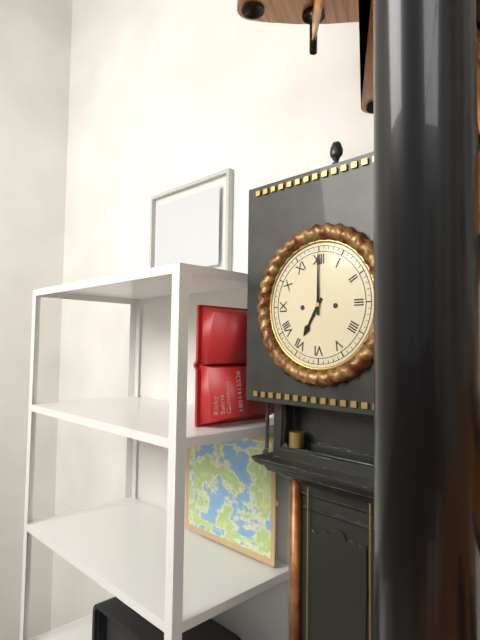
7:00
